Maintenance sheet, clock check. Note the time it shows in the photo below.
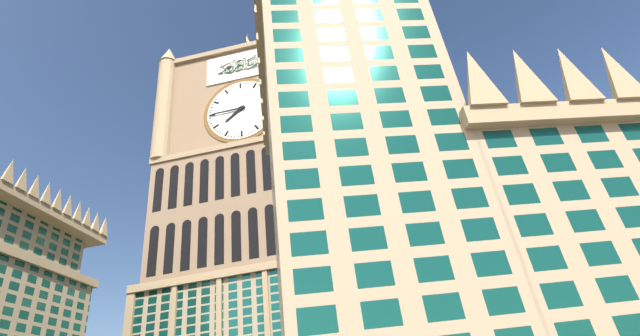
7:45
